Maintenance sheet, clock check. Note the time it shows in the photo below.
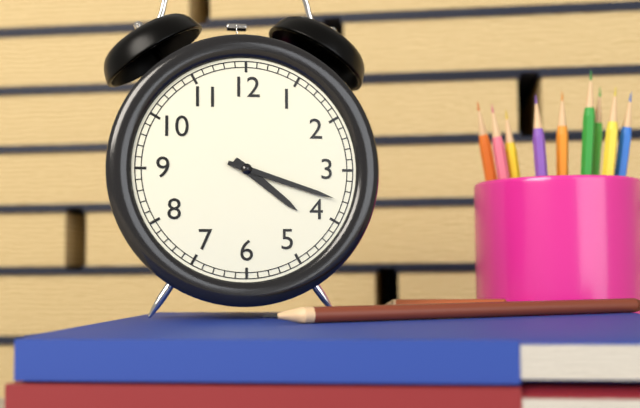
4:18
